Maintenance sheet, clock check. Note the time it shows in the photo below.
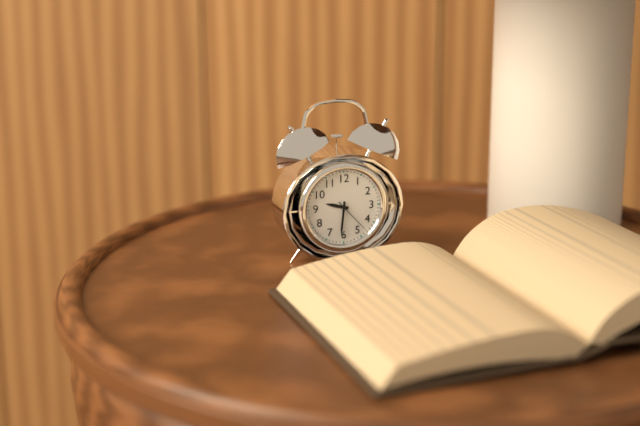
9:31
